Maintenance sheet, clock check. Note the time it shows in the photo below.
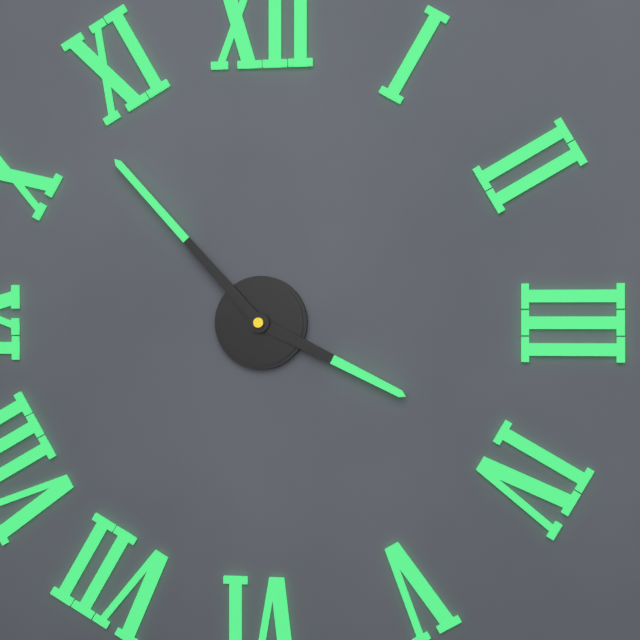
3:53
